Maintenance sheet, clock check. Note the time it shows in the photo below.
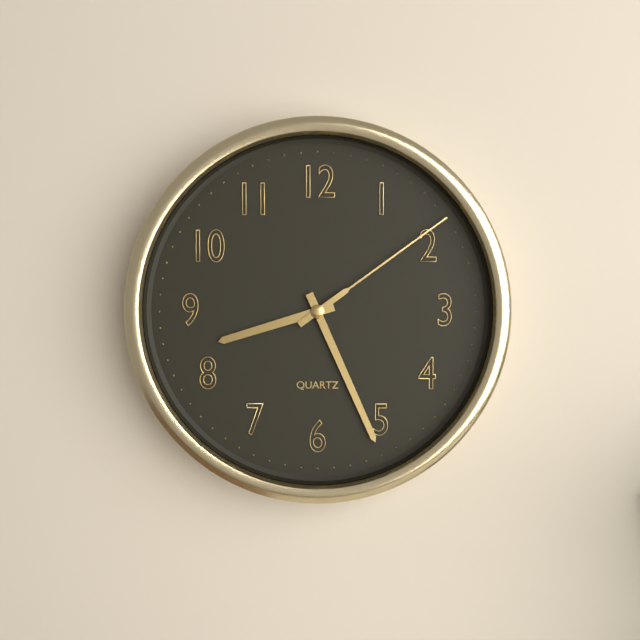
8:26:09
